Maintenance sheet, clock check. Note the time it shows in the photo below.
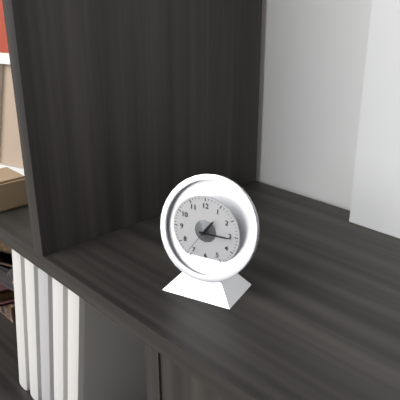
1:15
